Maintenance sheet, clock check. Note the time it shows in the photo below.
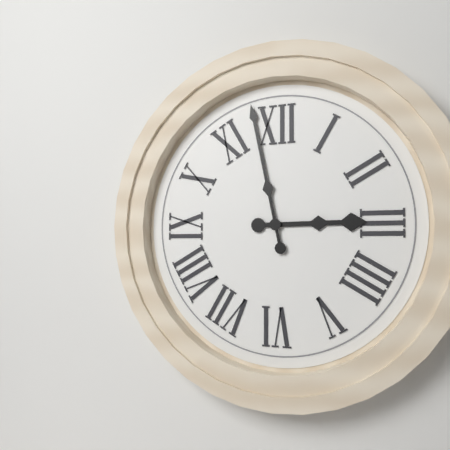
2:58
